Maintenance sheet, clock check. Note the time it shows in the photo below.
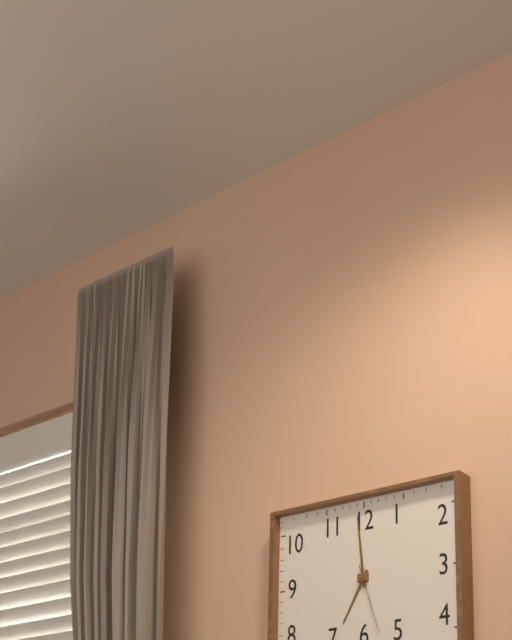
6:59:27
